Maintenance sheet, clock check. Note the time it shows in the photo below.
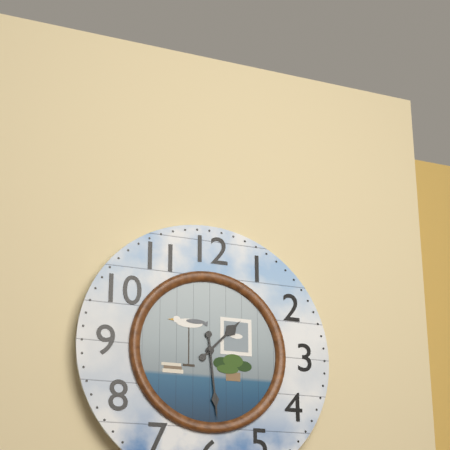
1:29
